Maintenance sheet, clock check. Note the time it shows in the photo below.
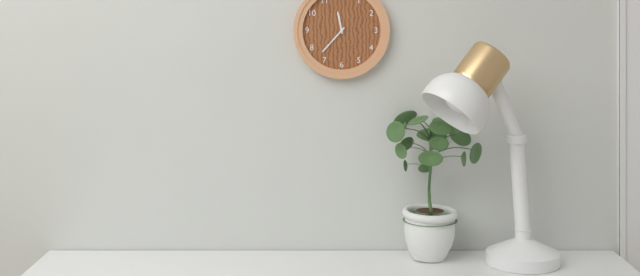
11:37
